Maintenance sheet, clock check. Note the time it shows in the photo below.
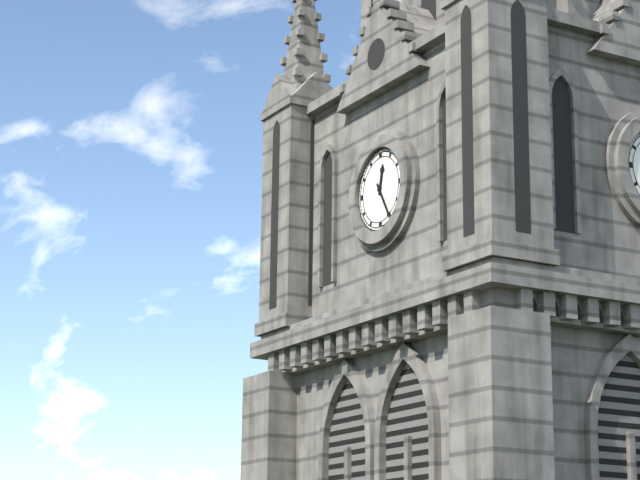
12:25
